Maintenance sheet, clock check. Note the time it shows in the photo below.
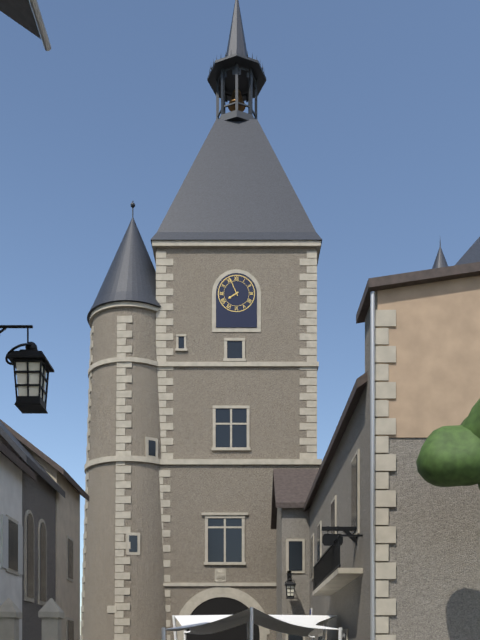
7:56
